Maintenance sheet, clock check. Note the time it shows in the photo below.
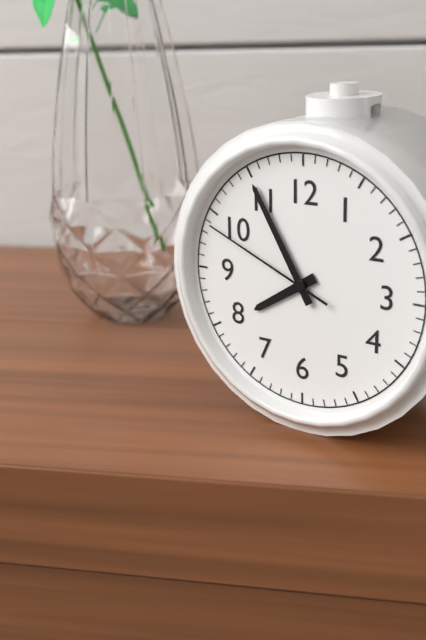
7:55:49
